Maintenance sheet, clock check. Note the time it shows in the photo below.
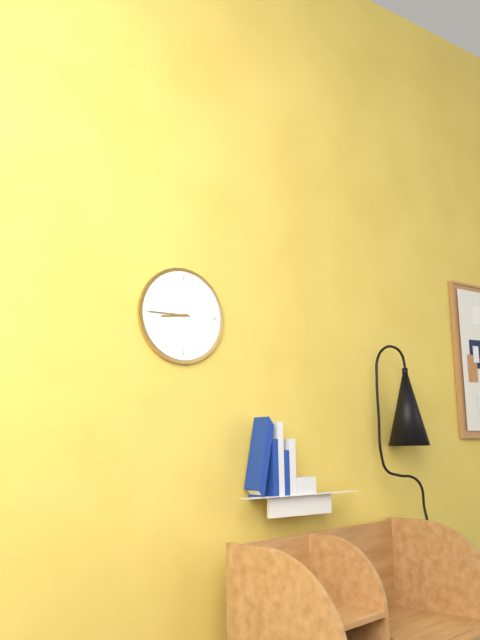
8:45
